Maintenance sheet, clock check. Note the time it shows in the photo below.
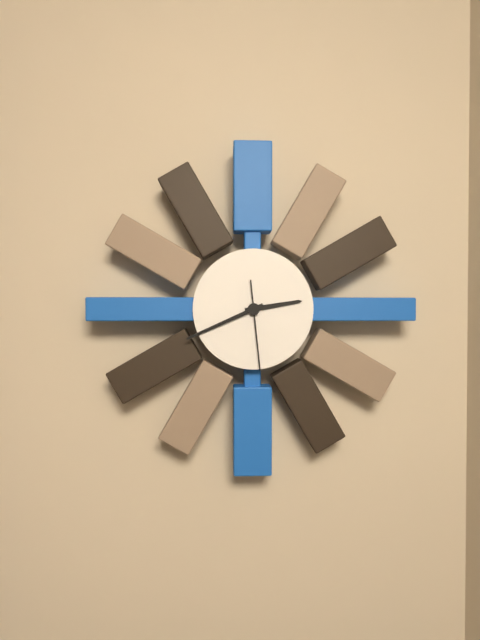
2:41:29
